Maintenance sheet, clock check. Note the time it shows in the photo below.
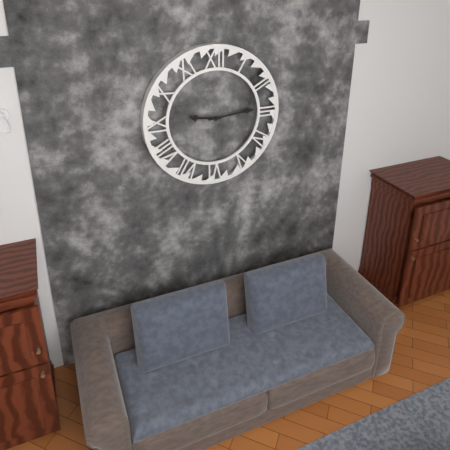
9:14
